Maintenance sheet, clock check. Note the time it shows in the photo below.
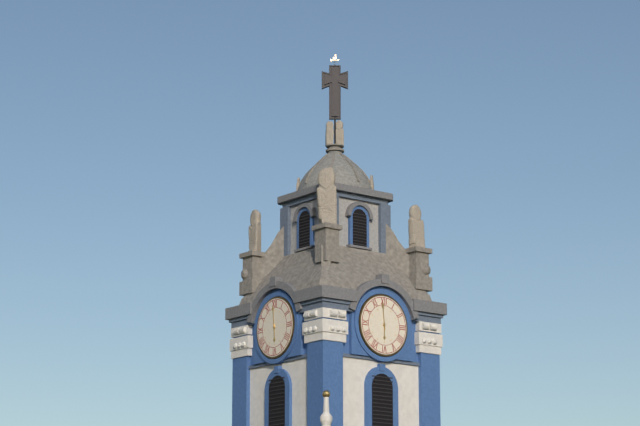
5:59
